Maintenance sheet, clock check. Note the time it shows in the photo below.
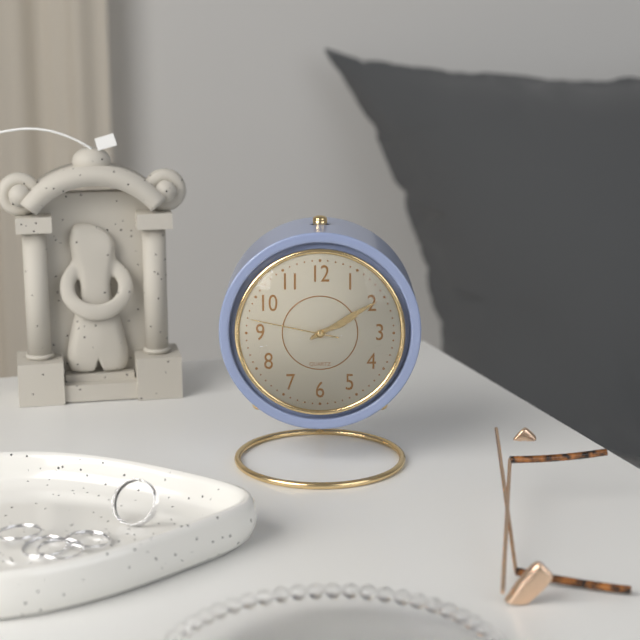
2:10:47
